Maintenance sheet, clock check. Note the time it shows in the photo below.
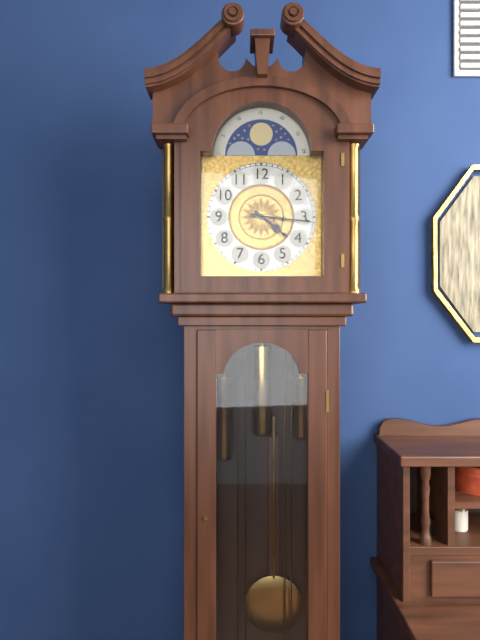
4:16
